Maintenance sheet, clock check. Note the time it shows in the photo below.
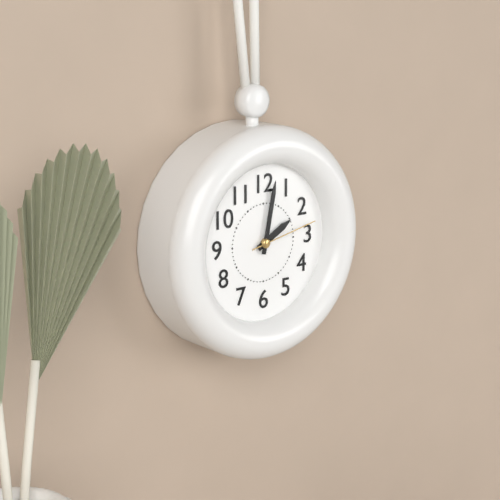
2:02:13
